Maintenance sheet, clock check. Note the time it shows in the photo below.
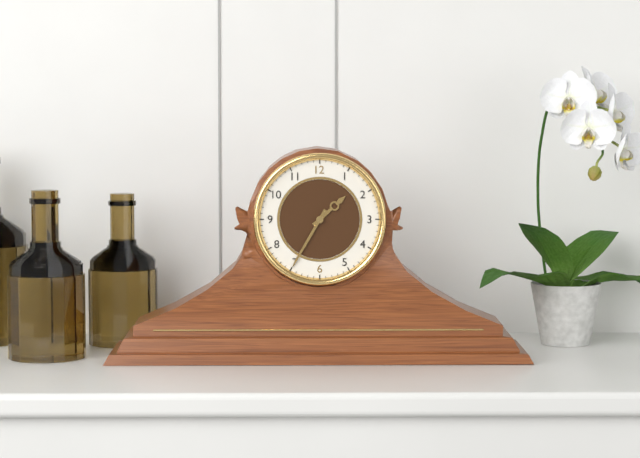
1:35
